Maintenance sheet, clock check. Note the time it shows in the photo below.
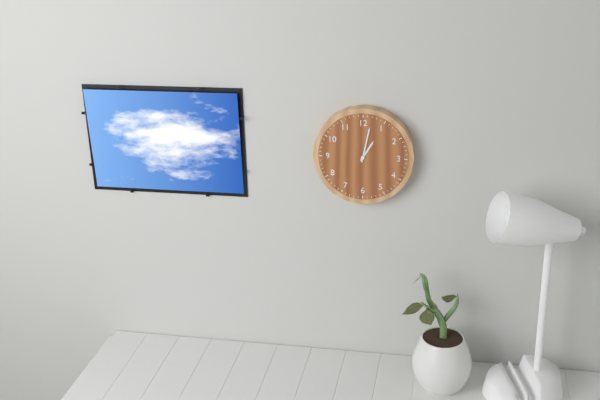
1:02
